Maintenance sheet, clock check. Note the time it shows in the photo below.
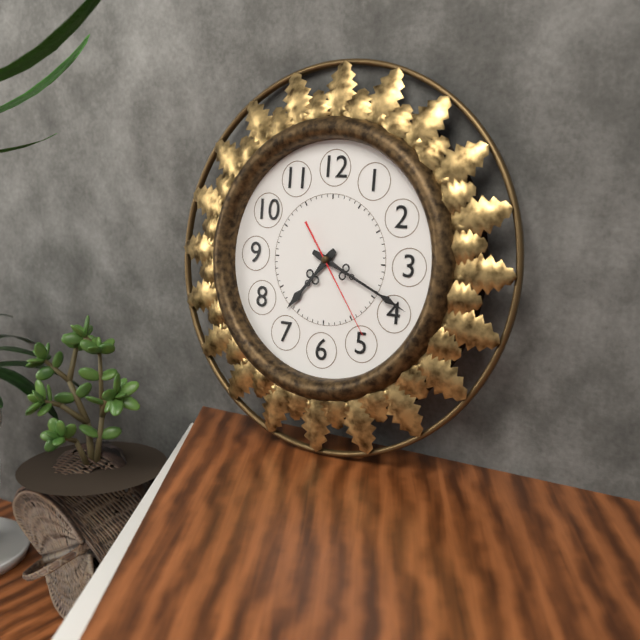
7:19:24
